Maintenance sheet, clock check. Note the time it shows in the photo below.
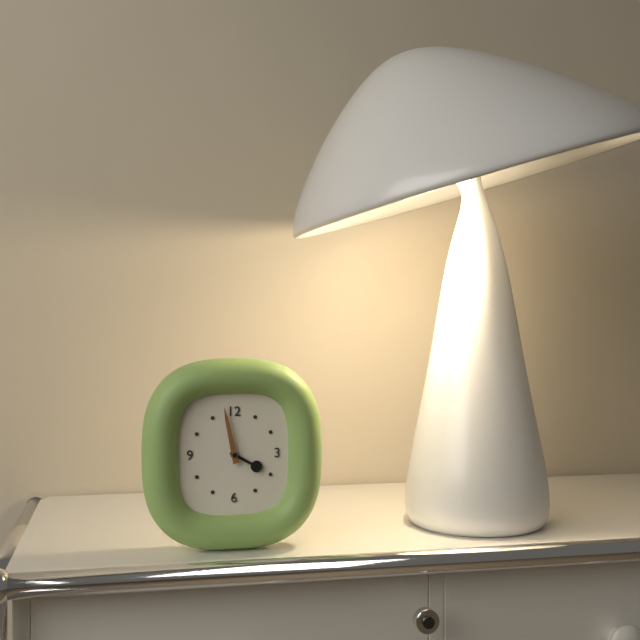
3:58
